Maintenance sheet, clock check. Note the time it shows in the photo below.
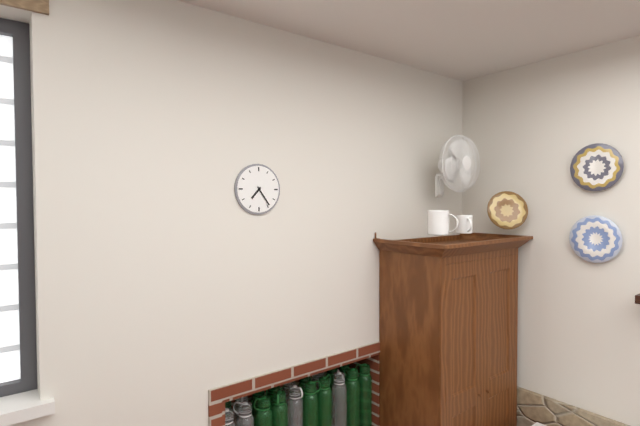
7:24
